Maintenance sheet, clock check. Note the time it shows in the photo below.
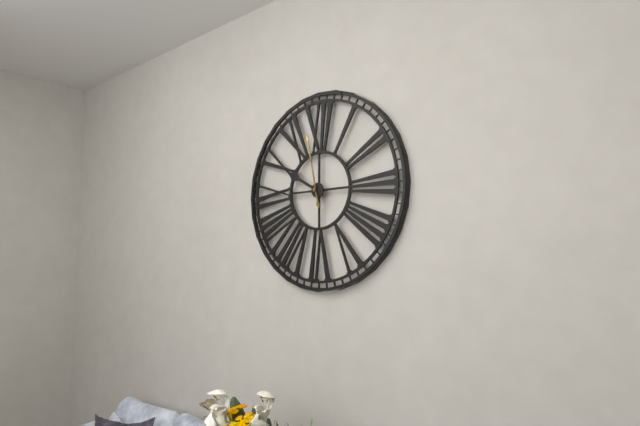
9:58
